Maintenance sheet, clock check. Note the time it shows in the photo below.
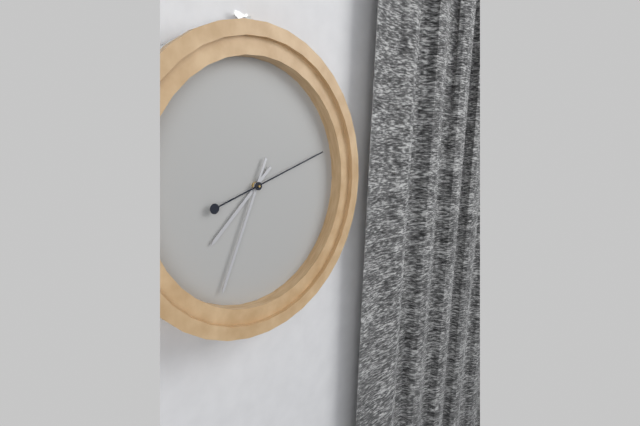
7:34:12
